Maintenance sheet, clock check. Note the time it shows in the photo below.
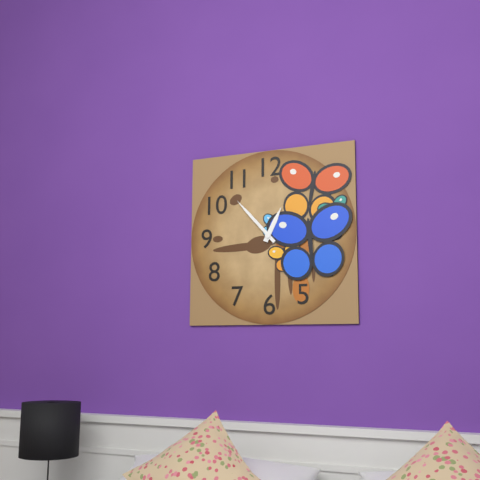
12:53
